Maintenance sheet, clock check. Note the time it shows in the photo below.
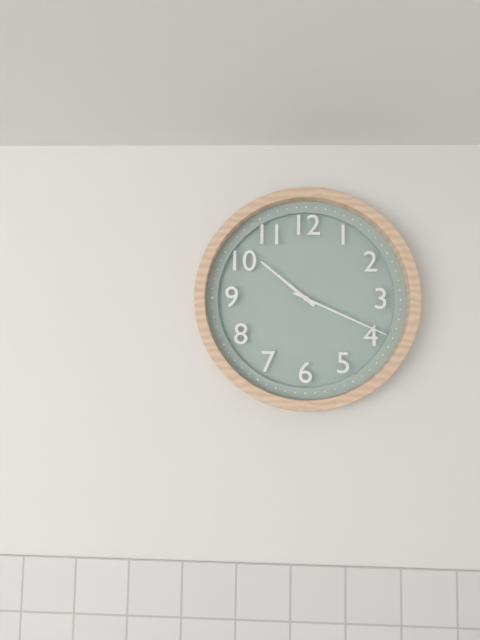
10:19
